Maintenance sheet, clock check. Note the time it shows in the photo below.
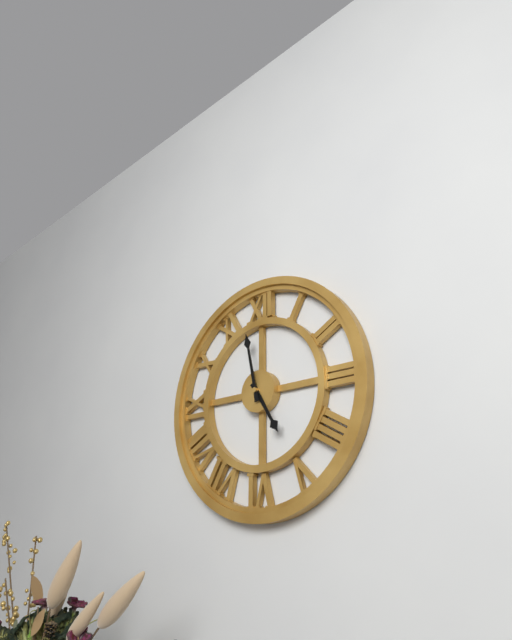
4:58
